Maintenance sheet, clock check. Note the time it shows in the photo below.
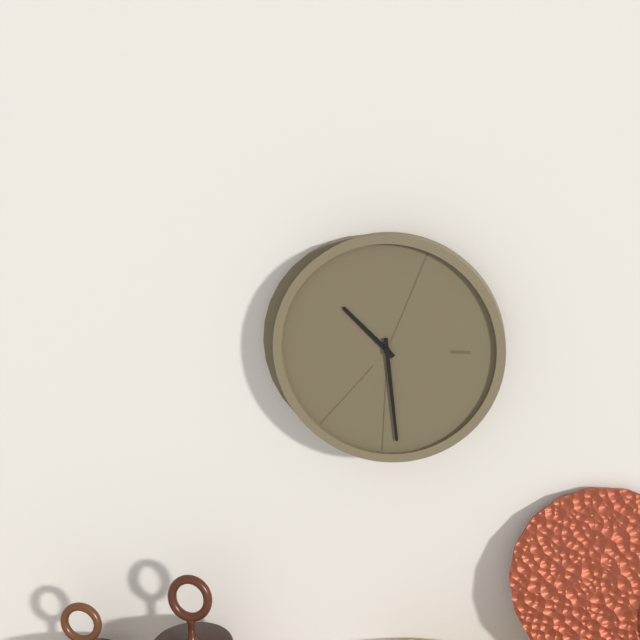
10:29
